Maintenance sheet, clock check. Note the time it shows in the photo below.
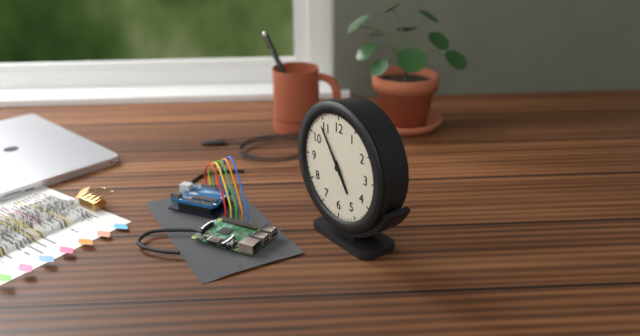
4:54
